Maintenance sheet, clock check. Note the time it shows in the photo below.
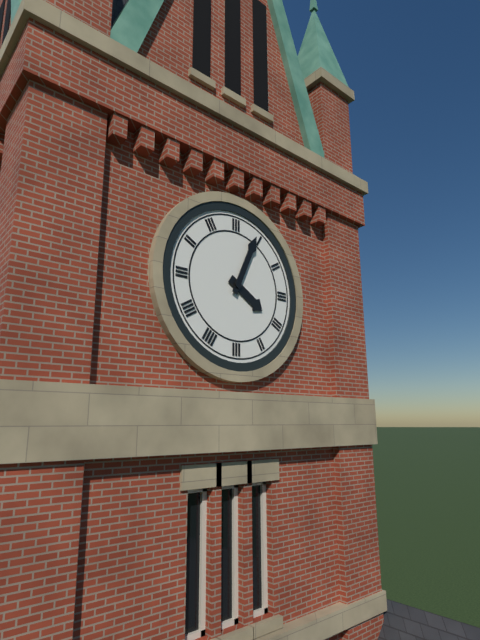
4:04
